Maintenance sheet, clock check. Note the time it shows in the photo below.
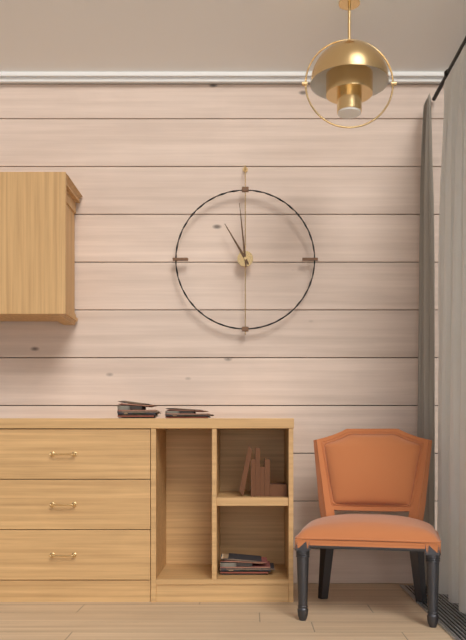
10:59
